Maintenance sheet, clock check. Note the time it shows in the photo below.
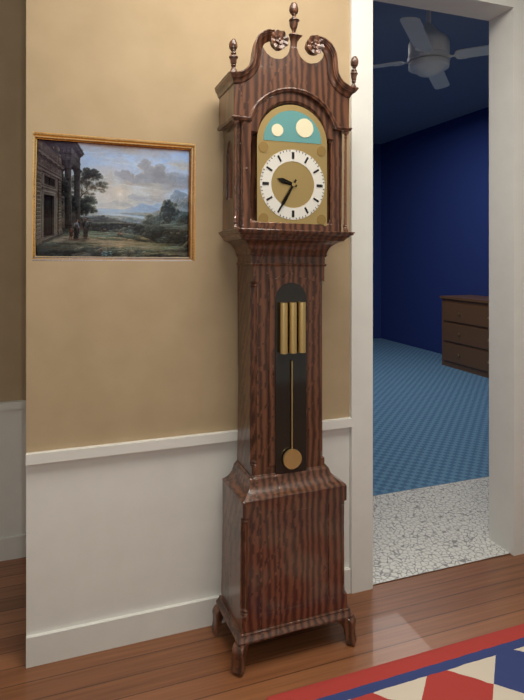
9:35
